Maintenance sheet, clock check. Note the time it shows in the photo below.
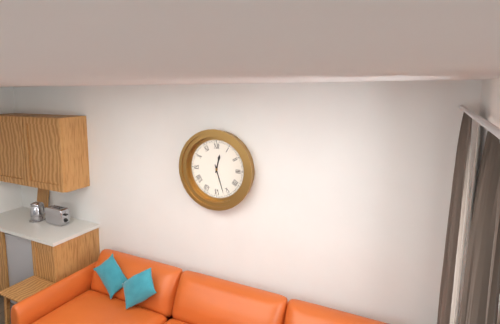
12:27
